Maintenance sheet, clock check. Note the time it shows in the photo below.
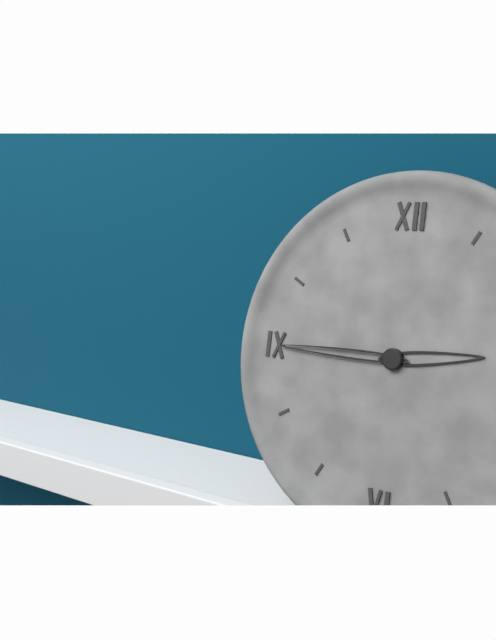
2:45
